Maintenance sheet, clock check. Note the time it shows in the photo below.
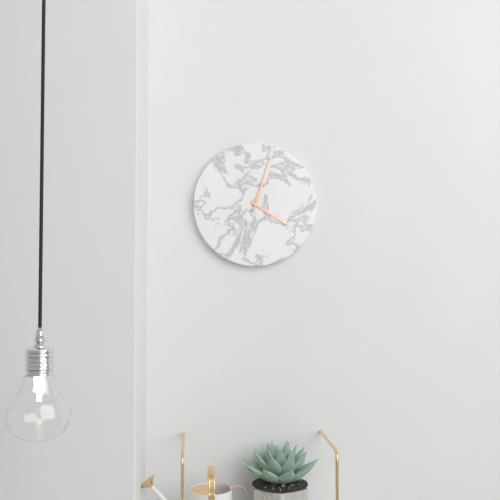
4:03
